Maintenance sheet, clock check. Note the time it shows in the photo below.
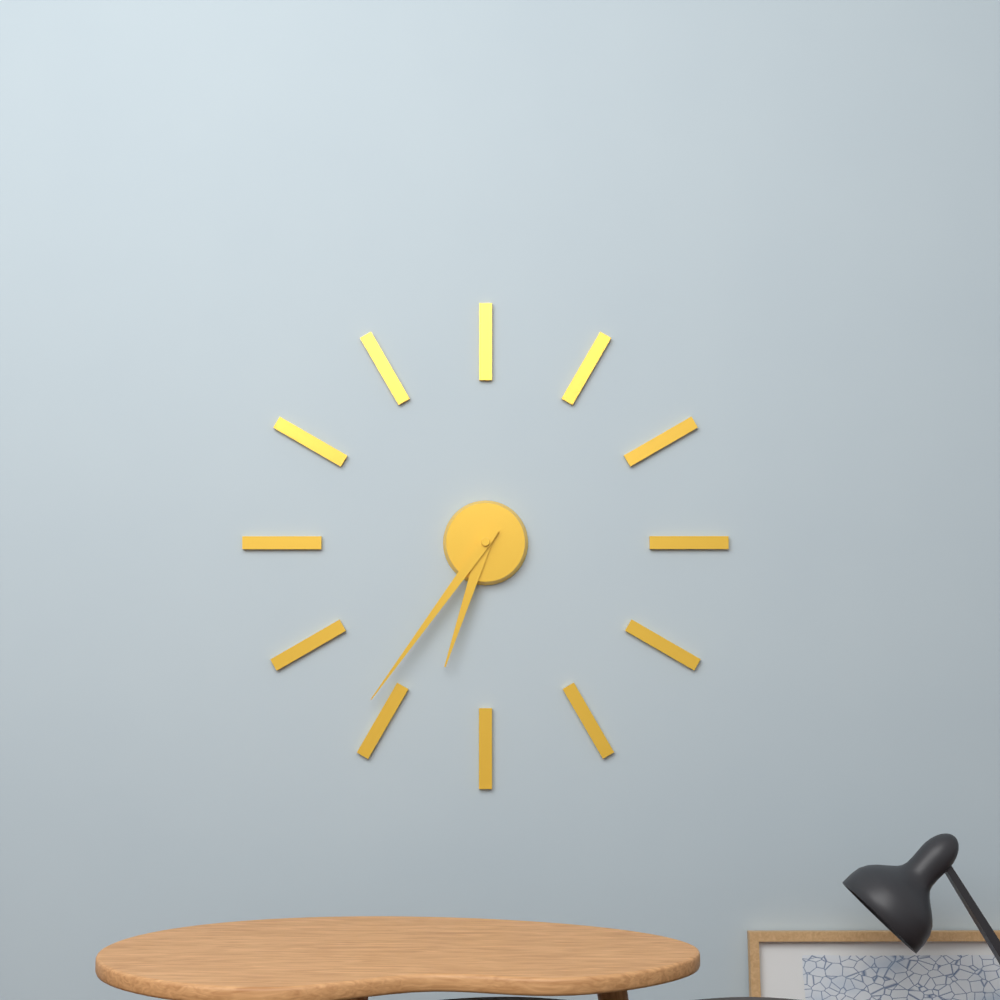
6:36
